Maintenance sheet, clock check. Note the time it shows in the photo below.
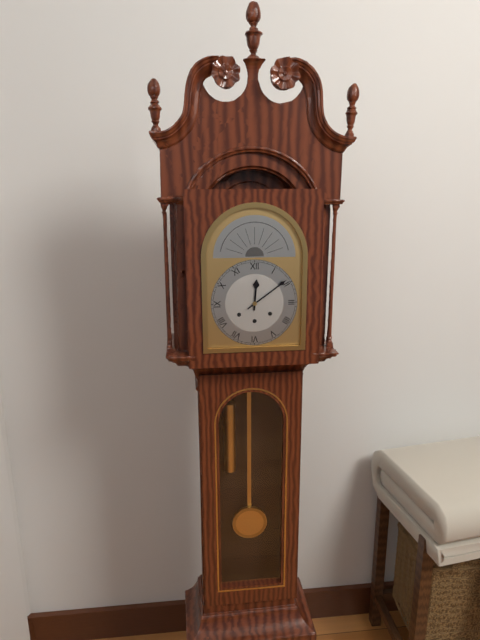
12:09
